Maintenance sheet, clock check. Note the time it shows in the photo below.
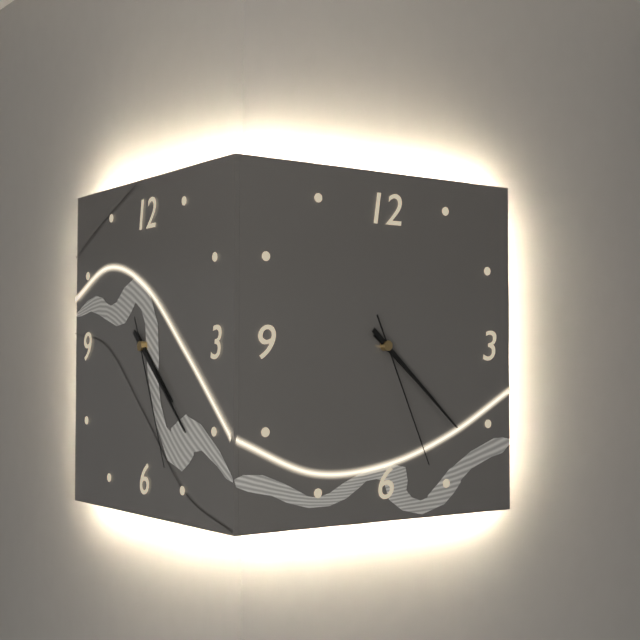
4:22:26
